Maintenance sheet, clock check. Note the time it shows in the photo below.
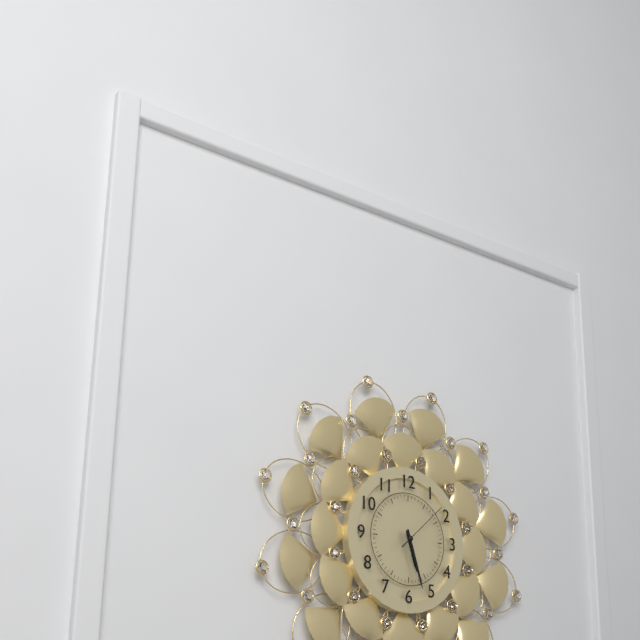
5:27:08
